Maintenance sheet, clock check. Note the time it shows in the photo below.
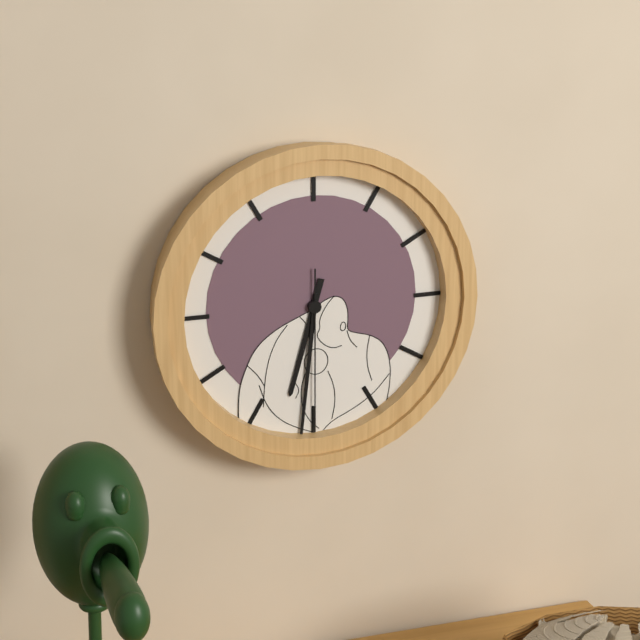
6:31:30
